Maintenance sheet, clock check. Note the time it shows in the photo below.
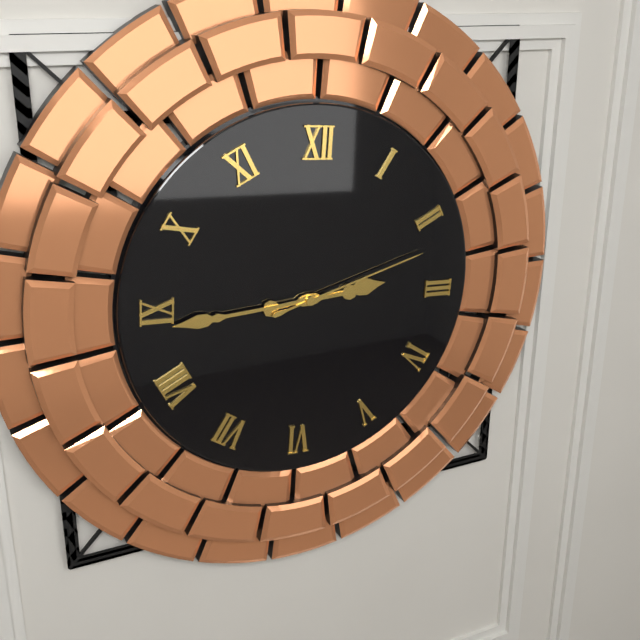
2:44:12
